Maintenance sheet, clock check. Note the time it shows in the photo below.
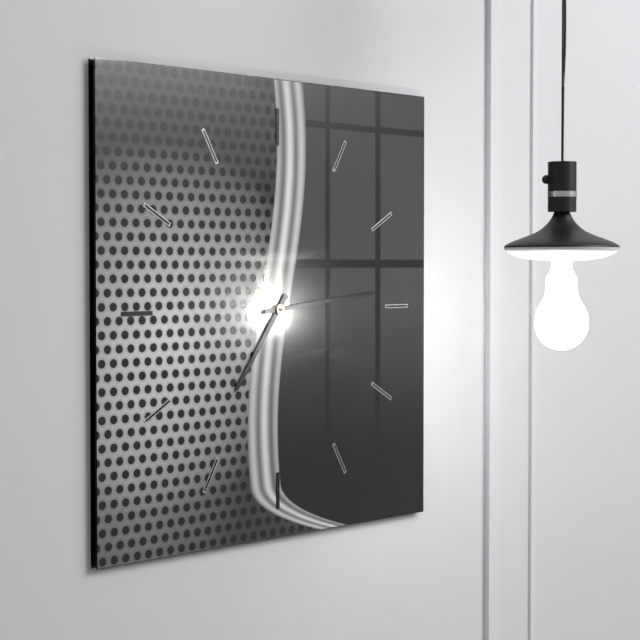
7:14
